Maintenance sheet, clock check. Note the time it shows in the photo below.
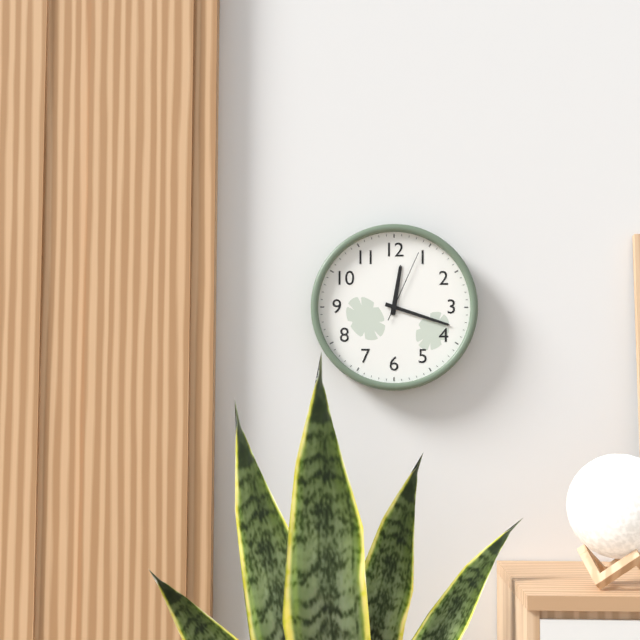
12:18:04
